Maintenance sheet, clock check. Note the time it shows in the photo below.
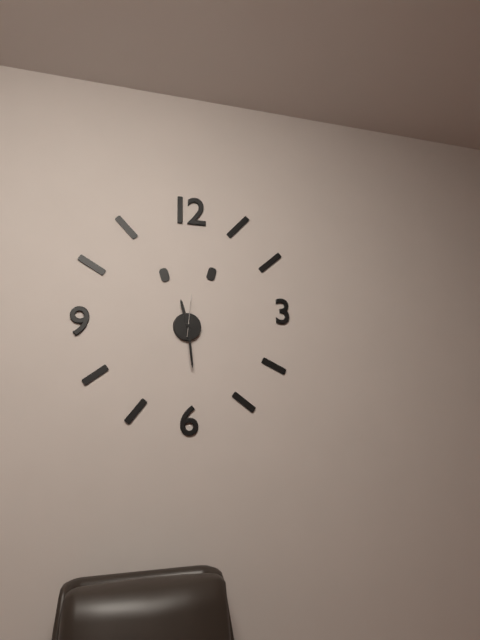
11:29
